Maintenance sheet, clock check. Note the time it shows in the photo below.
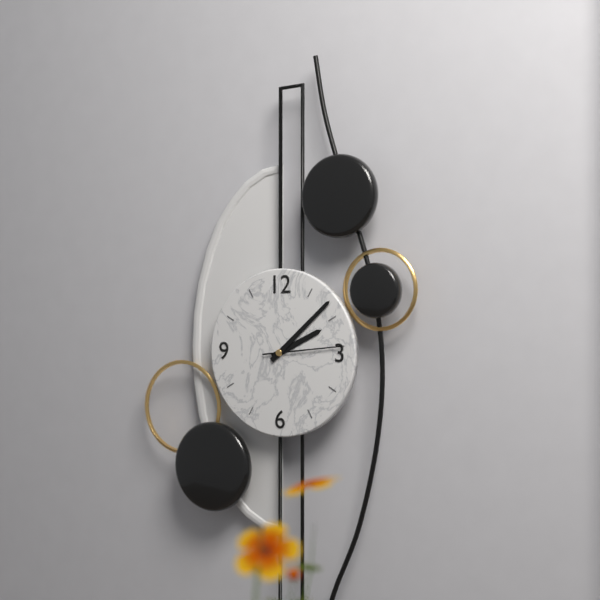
2:08:14
